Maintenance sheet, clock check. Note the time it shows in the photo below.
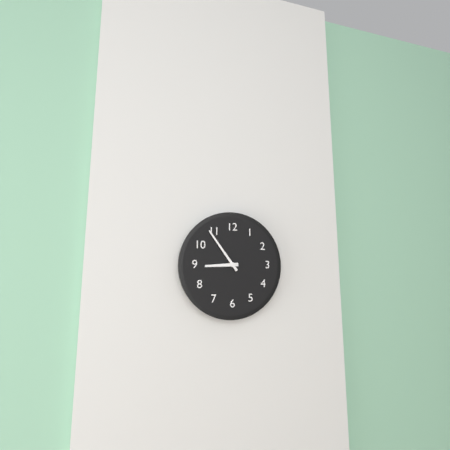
8:54
